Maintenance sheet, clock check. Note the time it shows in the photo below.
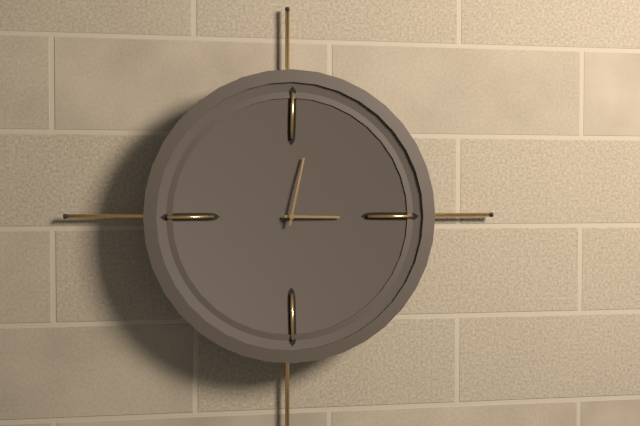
3:02
